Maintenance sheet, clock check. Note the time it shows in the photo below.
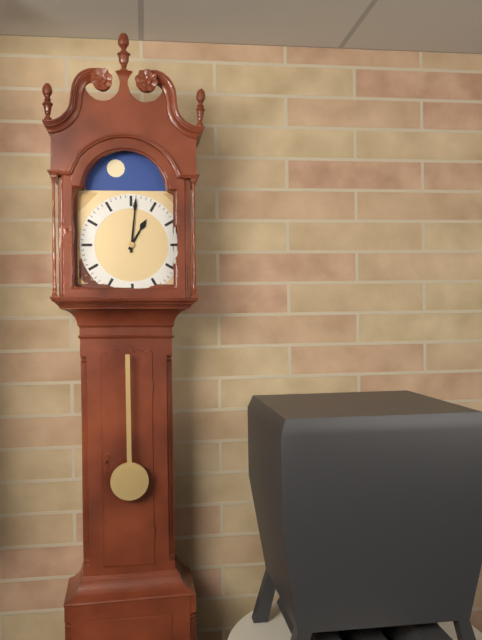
1:01
